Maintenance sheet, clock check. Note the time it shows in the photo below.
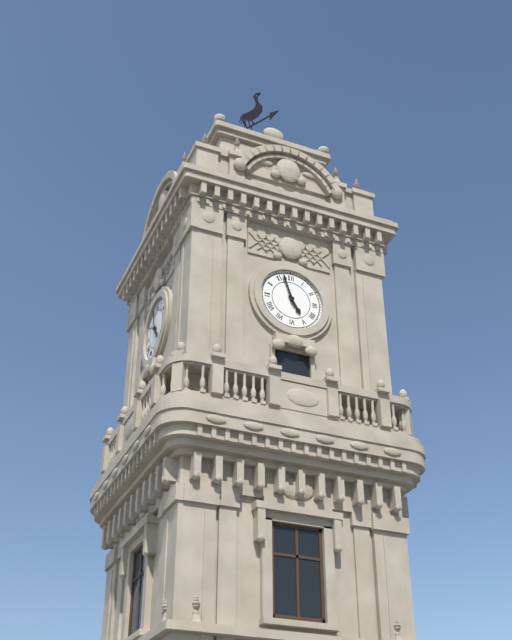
4:57
